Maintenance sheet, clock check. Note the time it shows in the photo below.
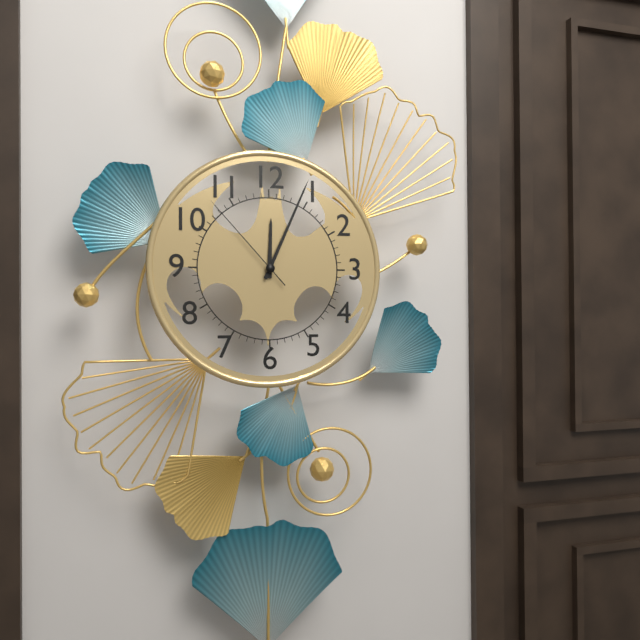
12:04:53
